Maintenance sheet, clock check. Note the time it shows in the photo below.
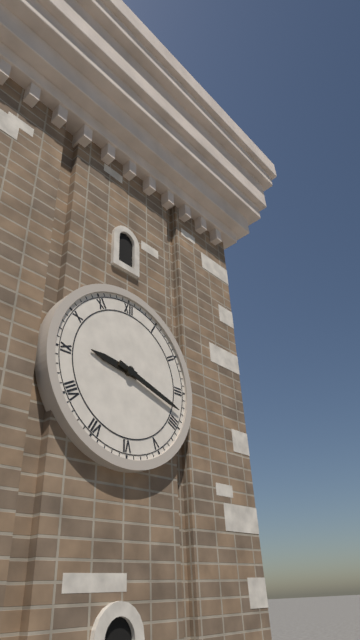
9:18
